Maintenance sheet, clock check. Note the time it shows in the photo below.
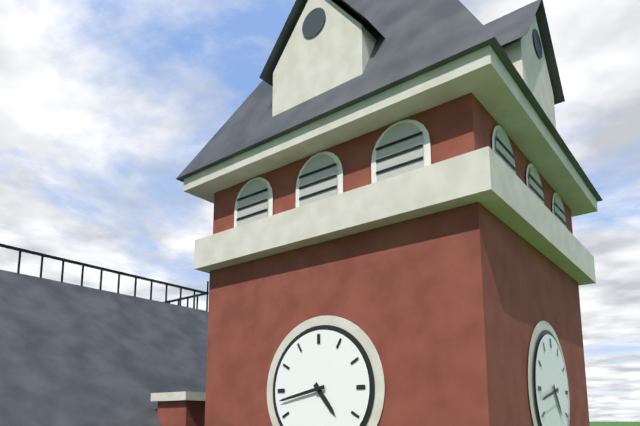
4:43
